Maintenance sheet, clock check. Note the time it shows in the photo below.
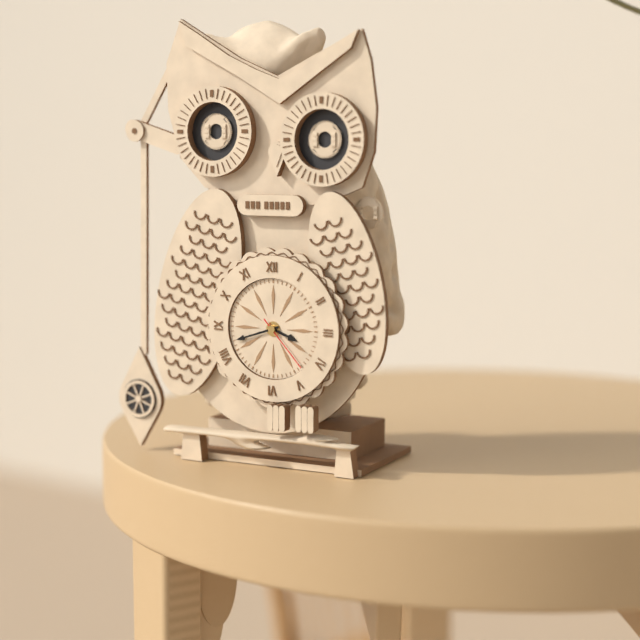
3:42:23
